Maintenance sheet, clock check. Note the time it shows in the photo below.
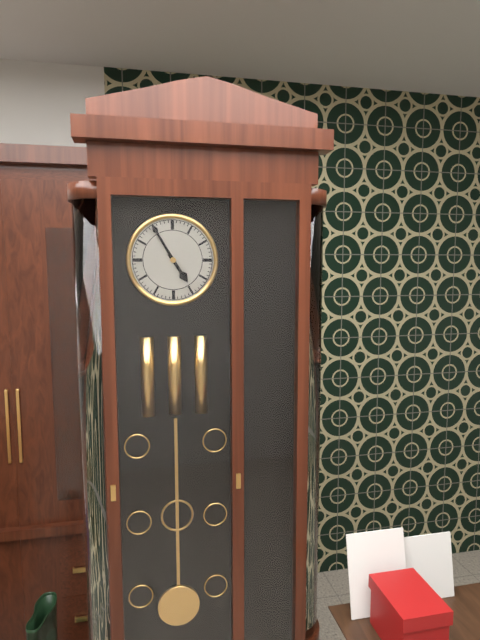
4:55
